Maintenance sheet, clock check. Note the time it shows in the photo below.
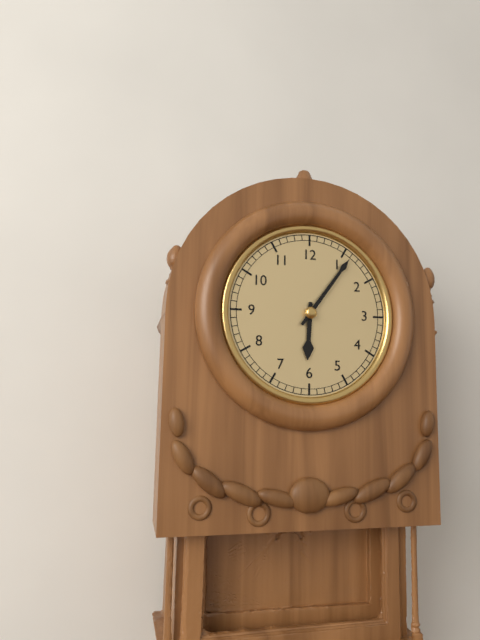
6:06
